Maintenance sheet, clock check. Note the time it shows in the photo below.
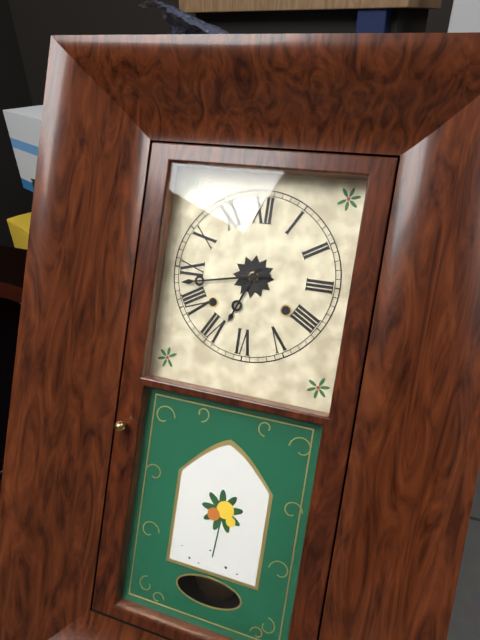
6:43
